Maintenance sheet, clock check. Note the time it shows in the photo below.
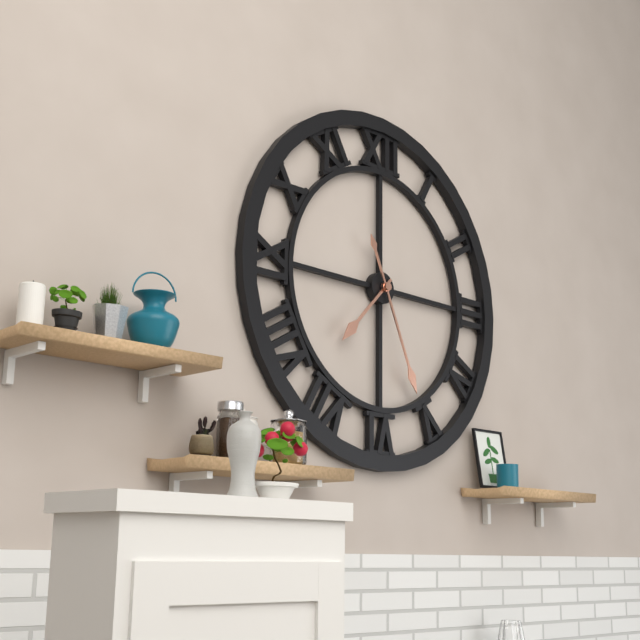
7:26
